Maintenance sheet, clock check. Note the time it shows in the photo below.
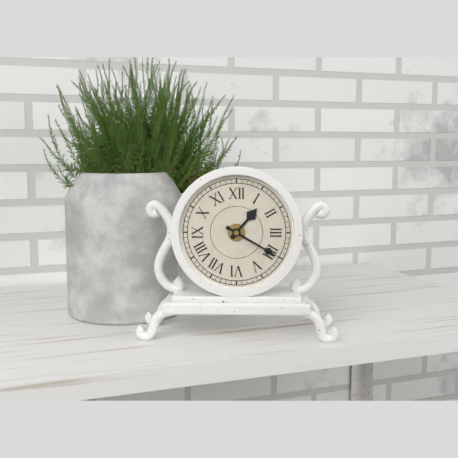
1:20
